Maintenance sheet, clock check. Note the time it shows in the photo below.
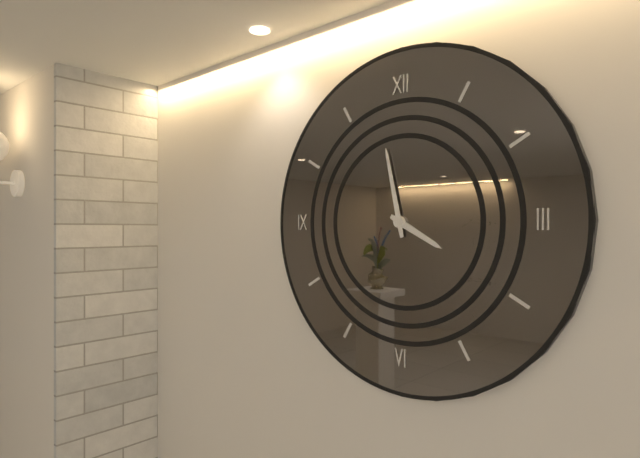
3:58
